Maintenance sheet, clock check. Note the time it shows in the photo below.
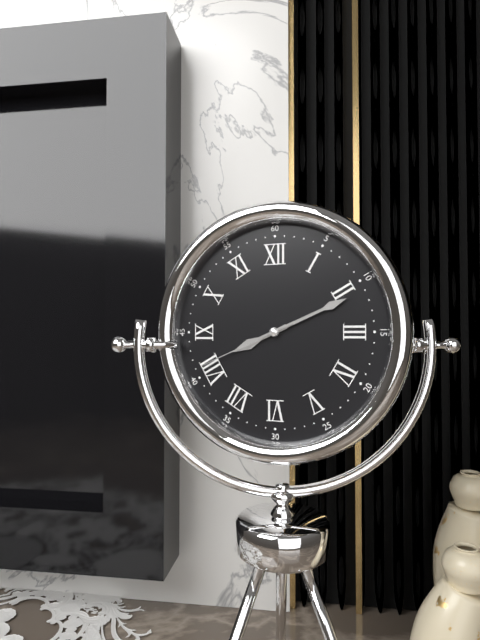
8:11:41
